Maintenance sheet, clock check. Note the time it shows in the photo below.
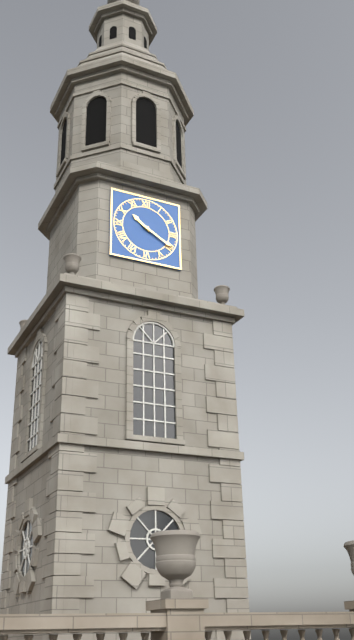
10:20
